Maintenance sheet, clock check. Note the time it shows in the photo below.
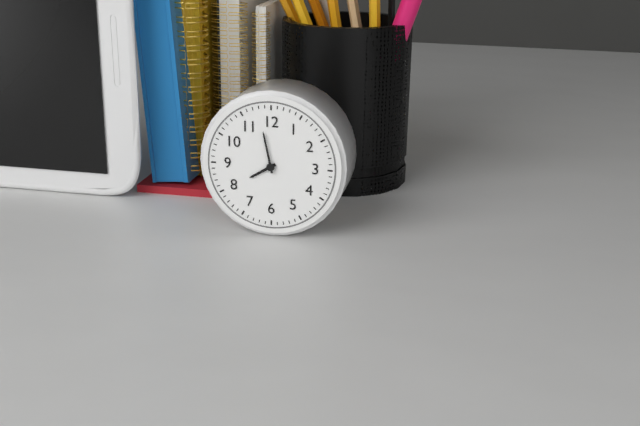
7:58
